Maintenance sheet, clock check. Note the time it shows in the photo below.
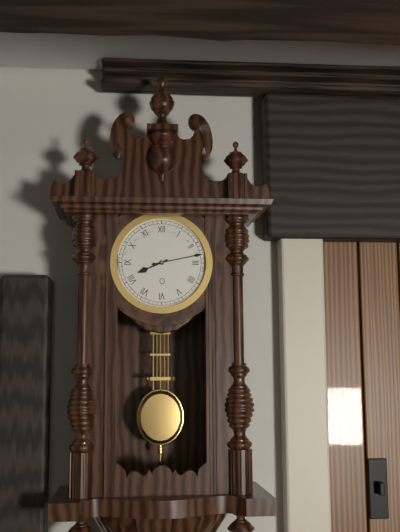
8:13
